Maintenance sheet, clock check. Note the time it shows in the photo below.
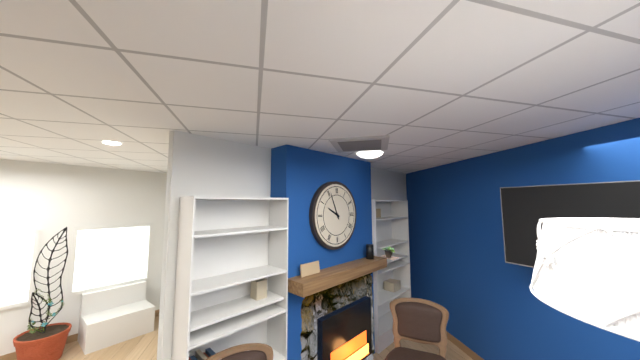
9:56
